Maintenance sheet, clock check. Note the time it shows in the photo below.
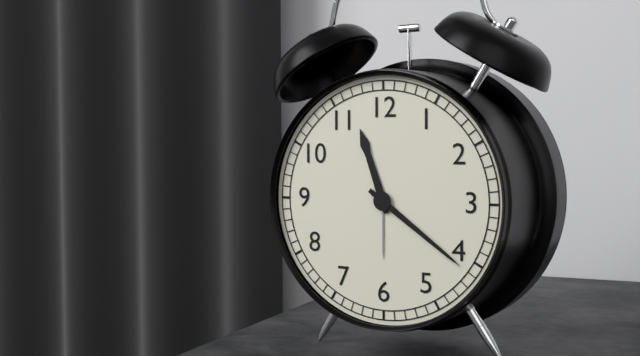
11:21
